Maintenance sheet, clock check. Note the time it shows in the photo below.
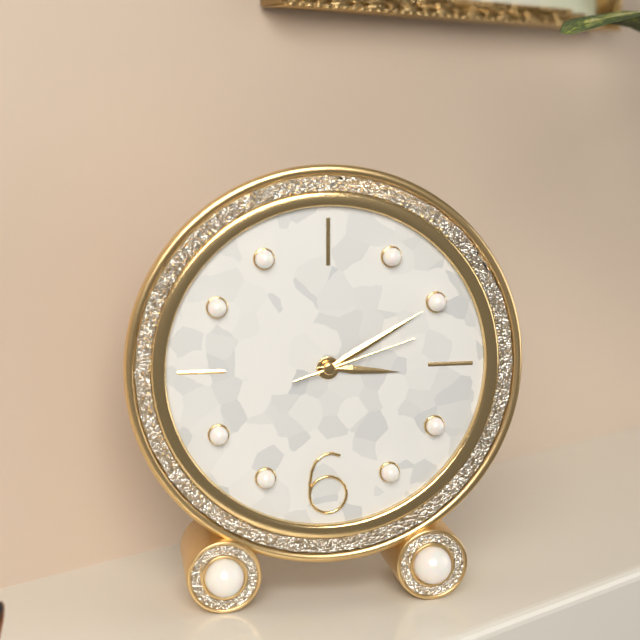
3:10:12
